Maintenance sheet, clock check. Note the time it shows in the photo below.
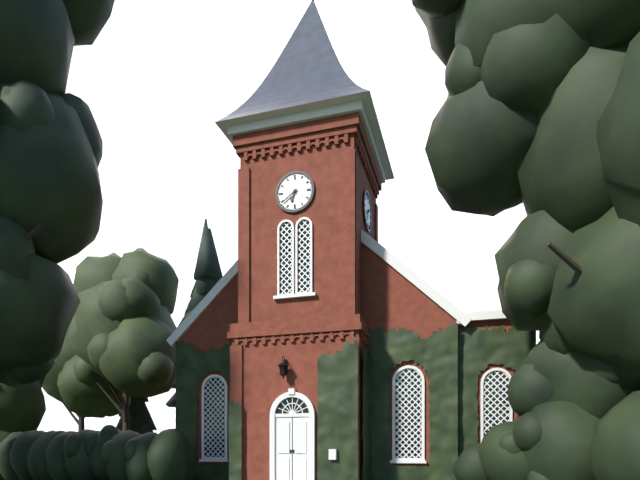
6:39
